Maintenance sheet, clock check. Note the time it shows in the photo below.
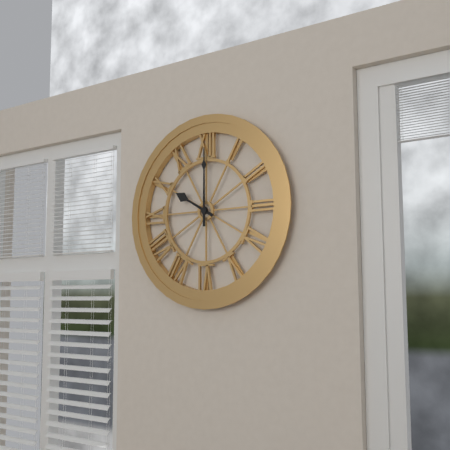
10:00
